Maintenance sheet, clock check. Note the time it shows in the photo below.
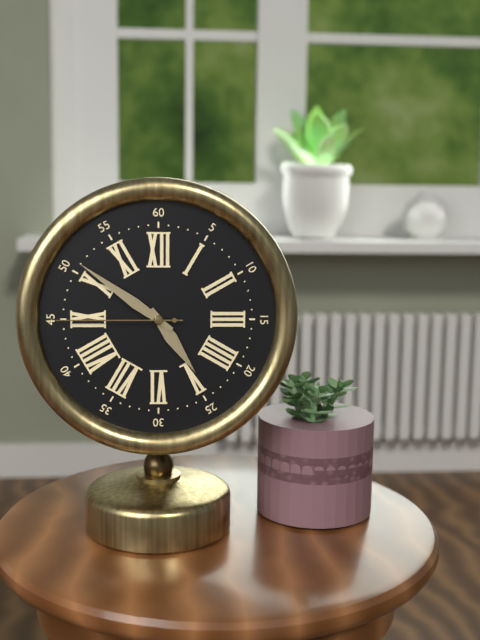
4:51:45
